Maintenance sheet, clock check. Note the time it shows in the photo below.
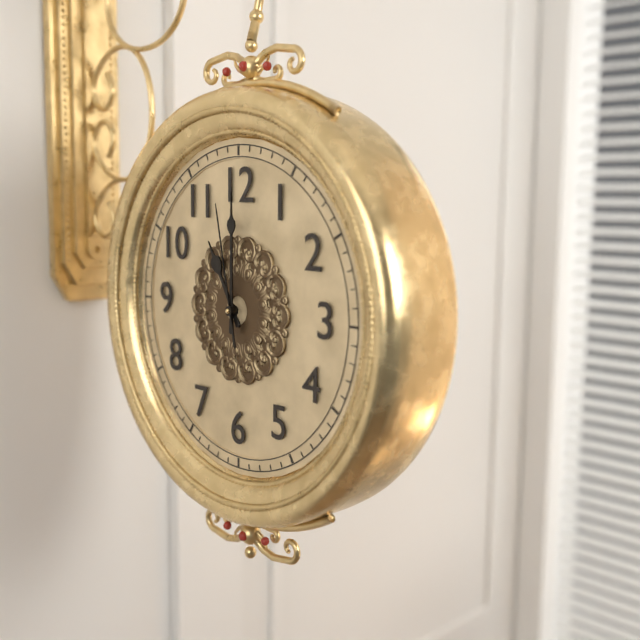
11:00:58
